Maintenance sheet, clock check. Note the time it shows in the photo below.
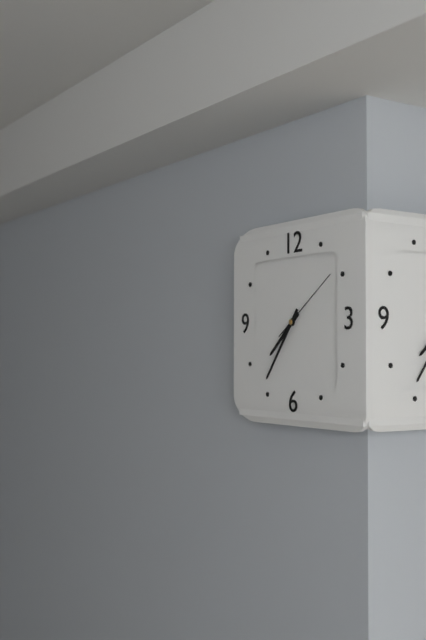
7:36:09
